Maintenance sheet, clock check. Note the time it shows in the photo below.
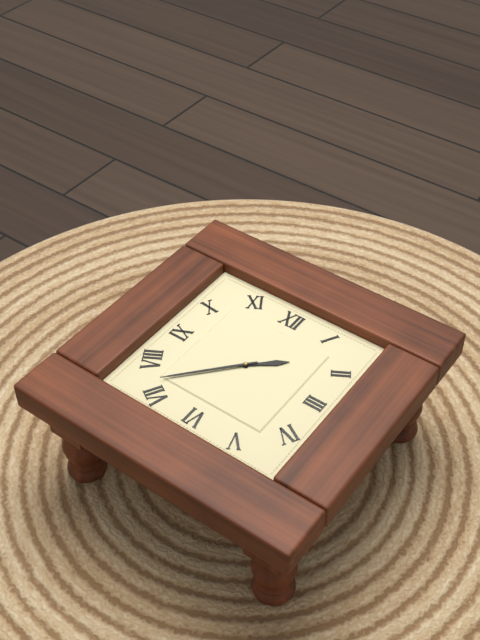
1:37
